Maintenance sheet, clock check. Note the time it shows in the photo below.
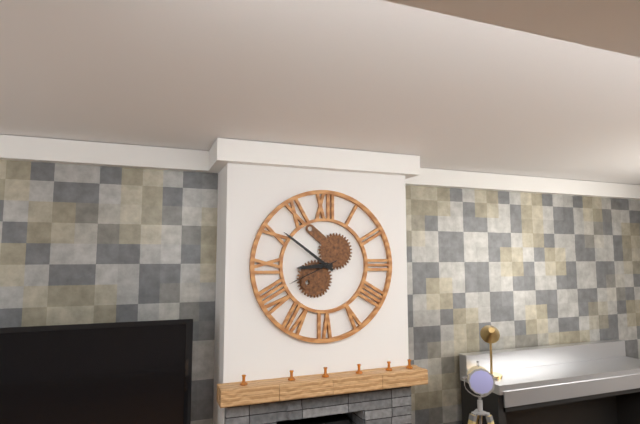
8:51:41
